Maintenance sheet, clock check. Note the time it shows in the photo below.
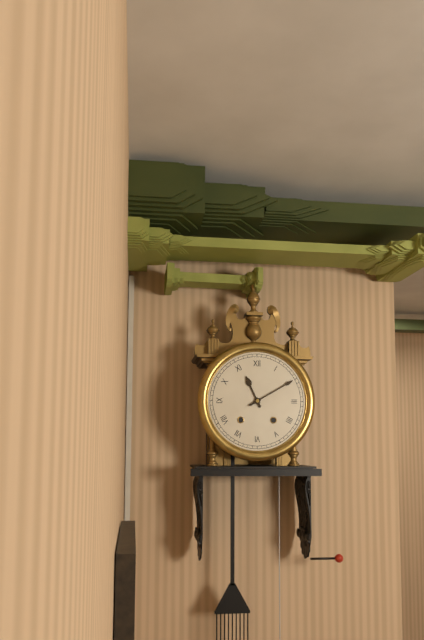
11:10
